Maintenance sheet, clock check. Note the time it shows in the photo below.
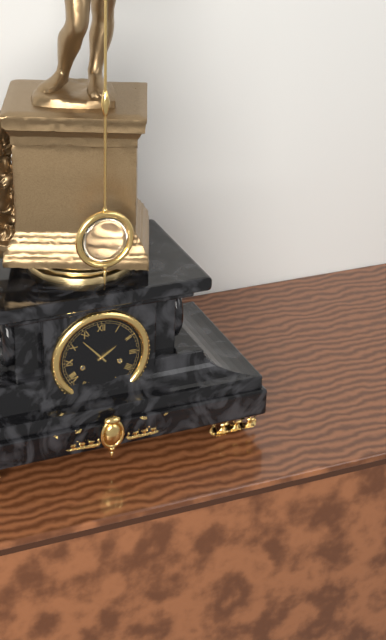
1:53
